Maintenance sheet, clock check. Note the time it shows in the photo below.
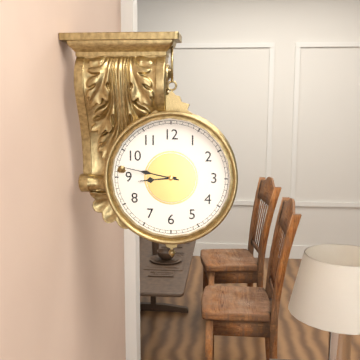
8:47
